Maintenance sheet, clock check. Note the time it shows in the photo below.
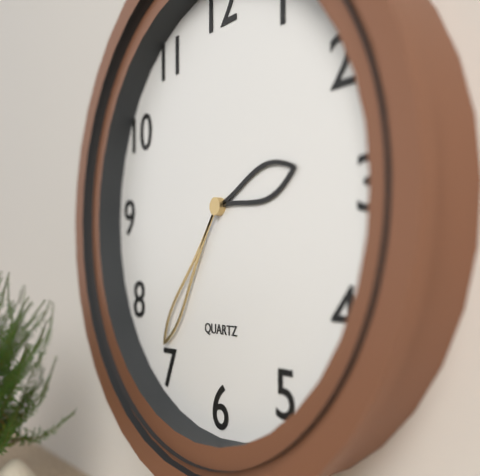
2:36
